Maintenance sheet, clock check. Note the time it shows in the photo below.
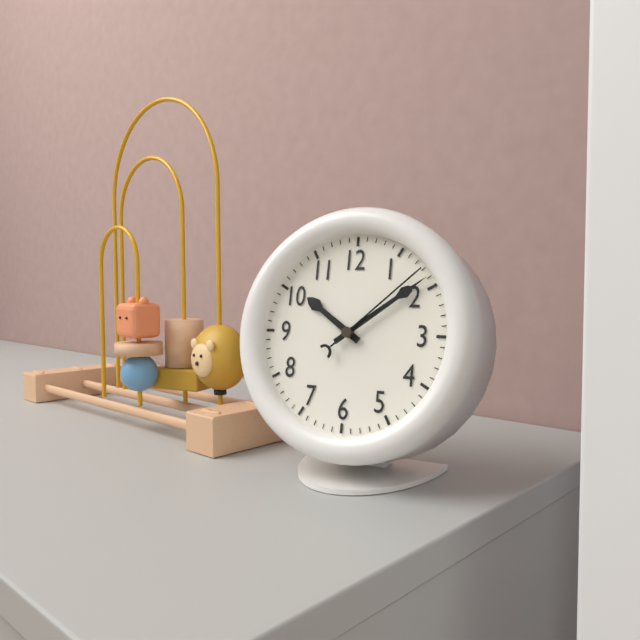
10:09:08
